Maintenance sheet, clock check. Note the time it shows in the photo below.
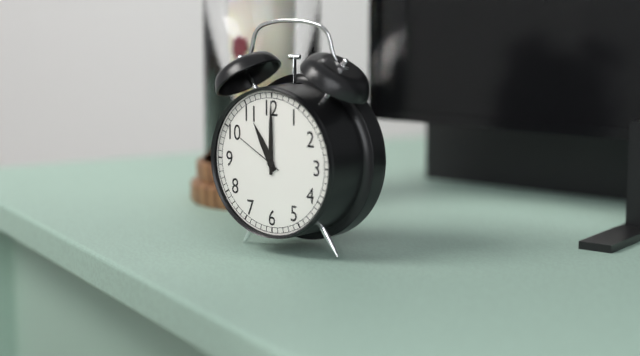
11:00:50
